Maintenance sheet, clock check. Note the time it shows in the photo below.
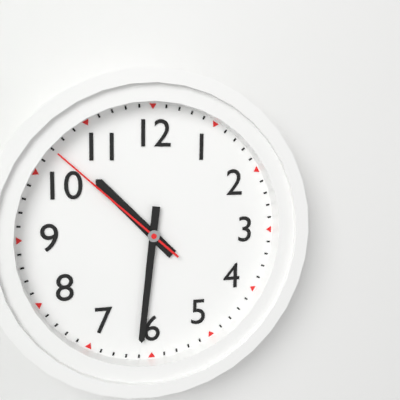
10:31:52
